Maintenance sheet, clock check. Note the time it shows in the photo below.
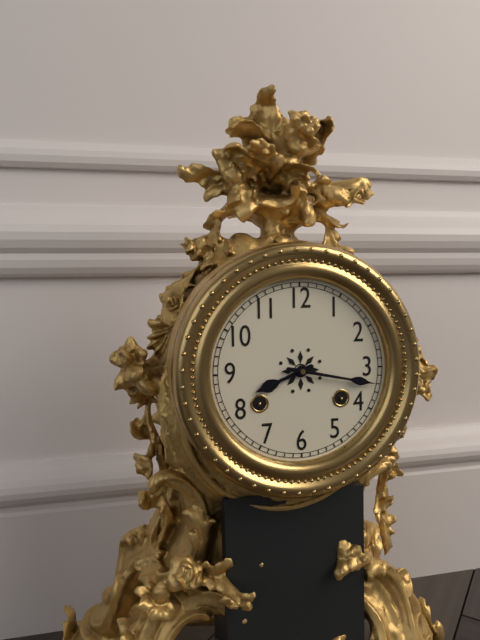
8:17
